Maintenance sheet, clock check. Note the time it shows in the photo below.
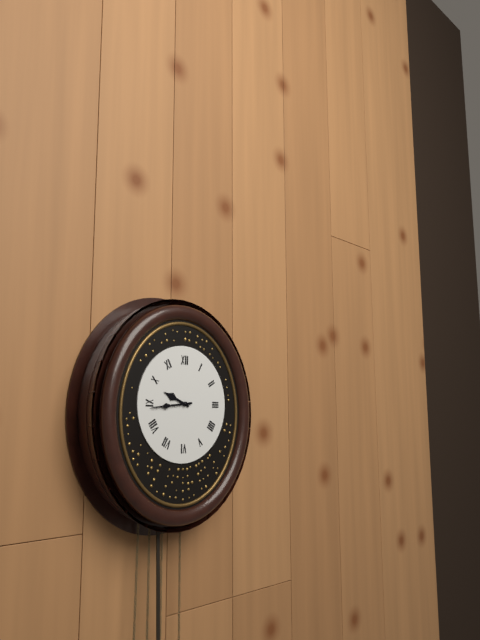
9:44
